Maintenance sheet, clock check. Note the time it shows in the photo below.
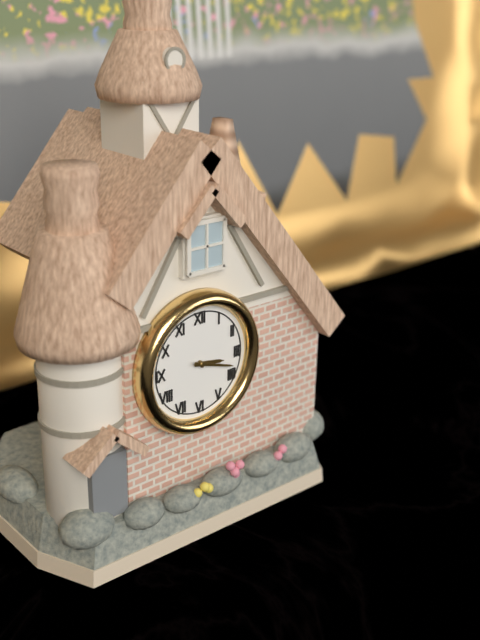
3:18
